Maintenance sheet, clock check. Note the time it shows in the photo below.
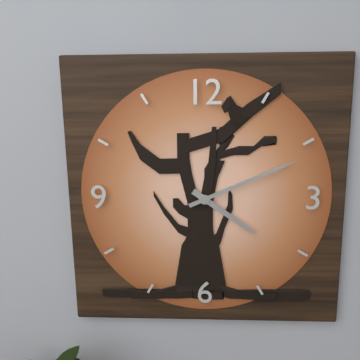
4:11
